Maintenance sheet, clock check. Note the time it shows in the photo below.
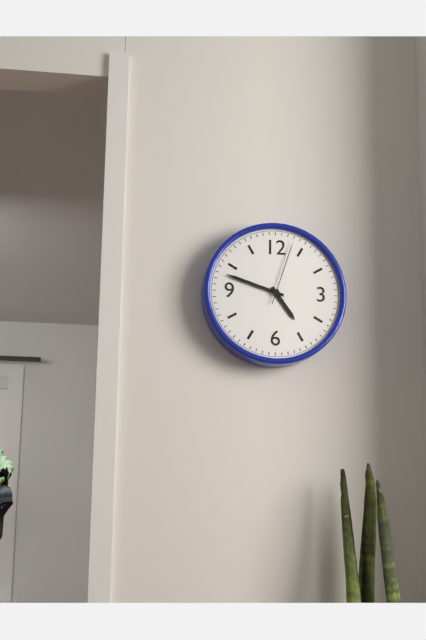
4:48:03
